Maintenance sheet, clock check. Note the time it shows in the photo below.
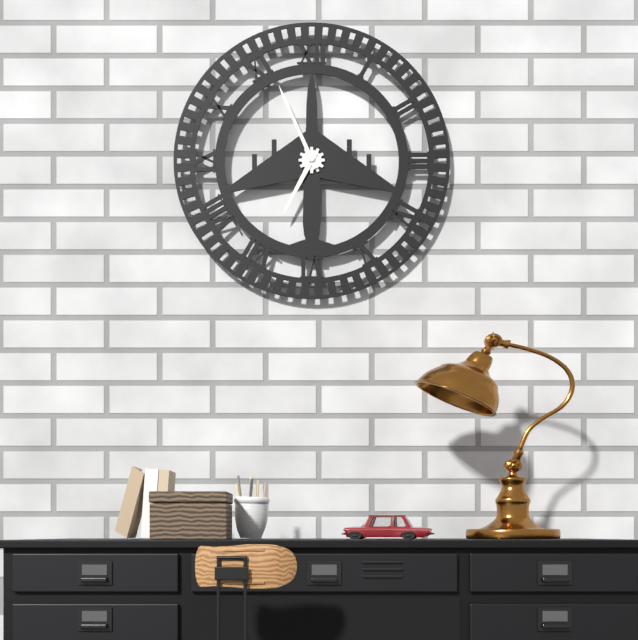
6:56
